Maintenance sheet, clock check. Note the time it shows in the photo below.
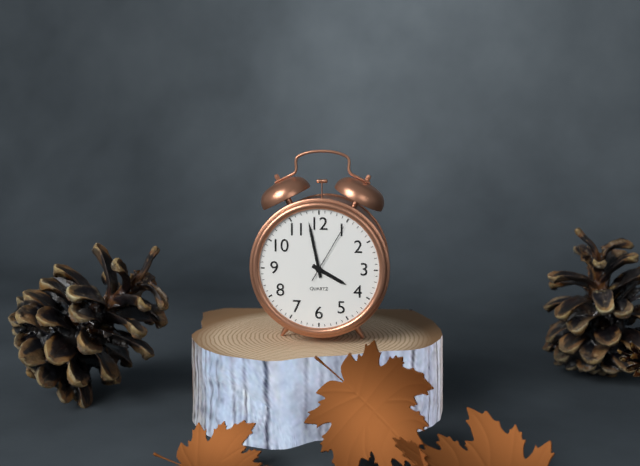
3:58:05
